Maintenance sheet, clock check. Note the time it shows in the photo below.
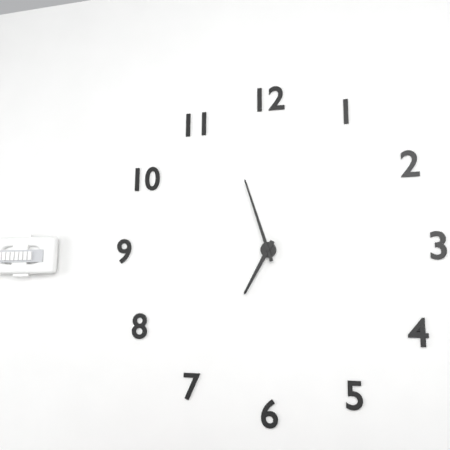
6:57
